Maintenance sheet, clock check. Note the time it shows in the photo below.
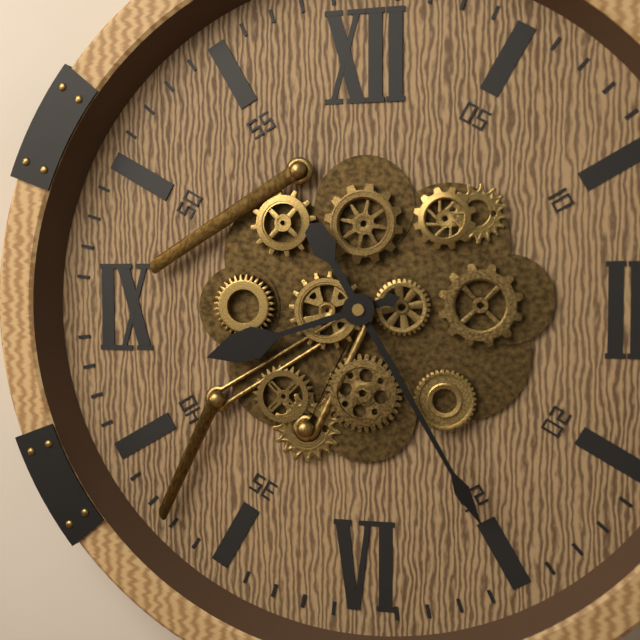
8:25
